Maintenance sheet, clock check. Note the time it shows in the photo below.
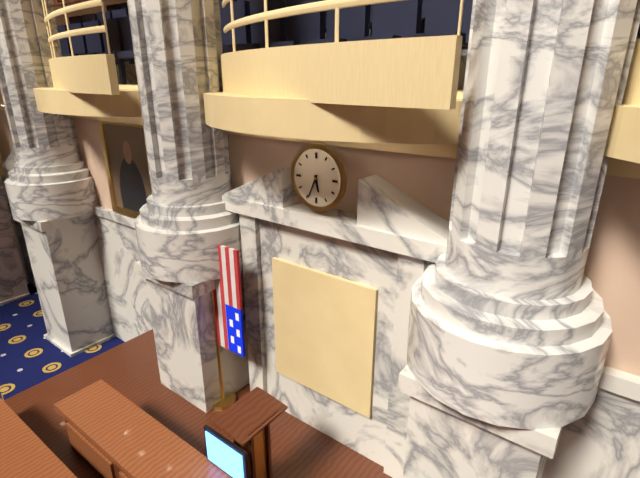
5:34
